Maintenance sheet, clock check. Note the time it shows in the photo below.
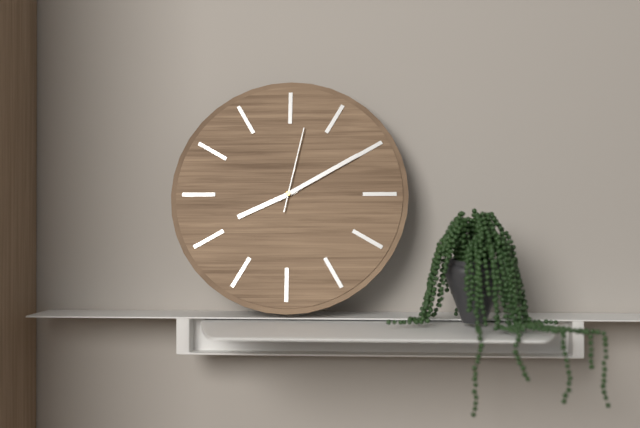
8:10:02
